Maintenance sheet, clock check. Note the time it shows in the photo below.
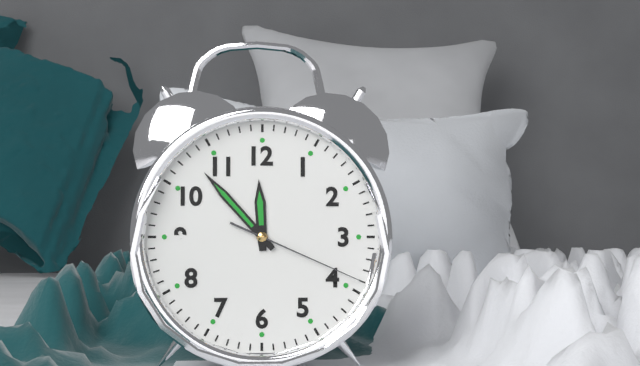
11:53:19
